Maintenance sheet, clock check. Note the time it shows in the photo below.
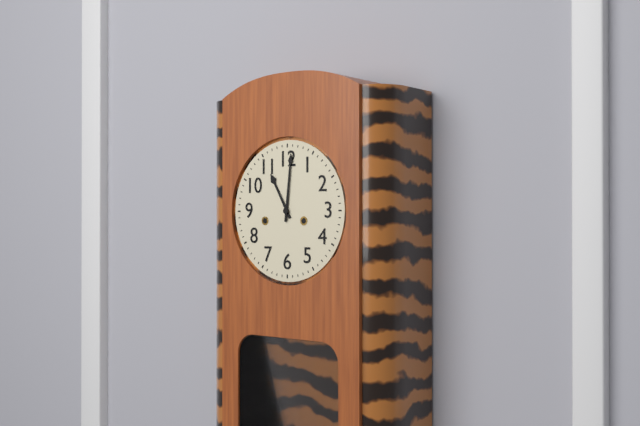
11:01
